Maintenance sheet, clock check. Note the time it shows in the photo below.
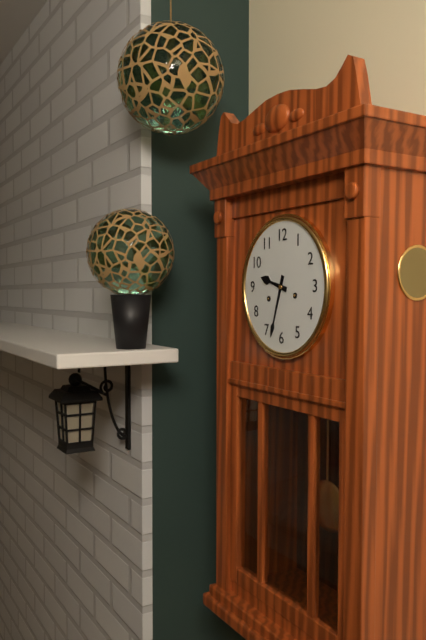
9:33
